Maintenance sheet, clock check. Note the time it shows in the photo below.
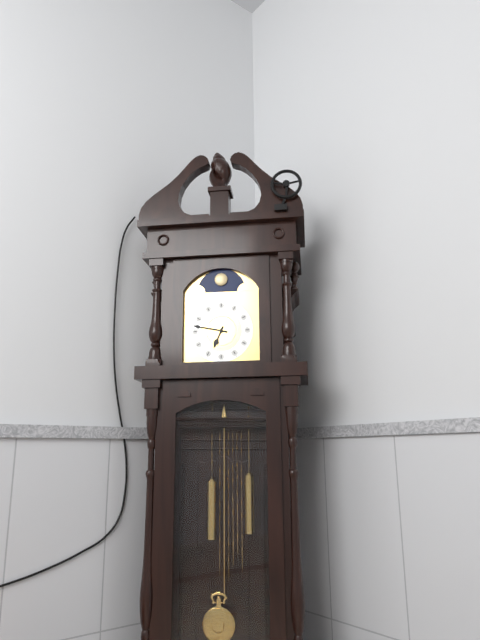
6:47
